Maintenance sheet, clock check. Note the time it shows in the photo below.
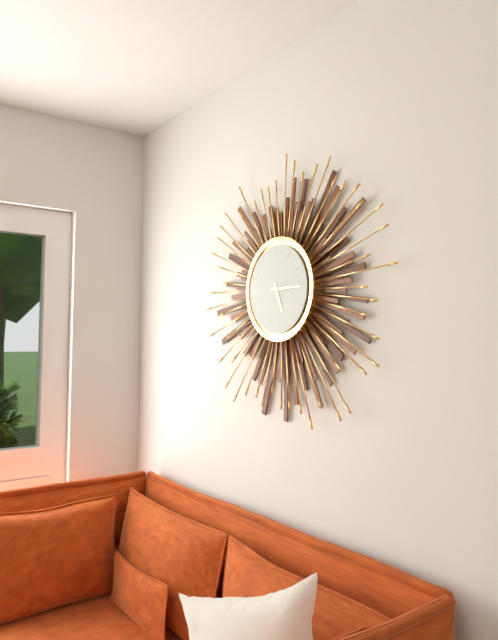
5:15
